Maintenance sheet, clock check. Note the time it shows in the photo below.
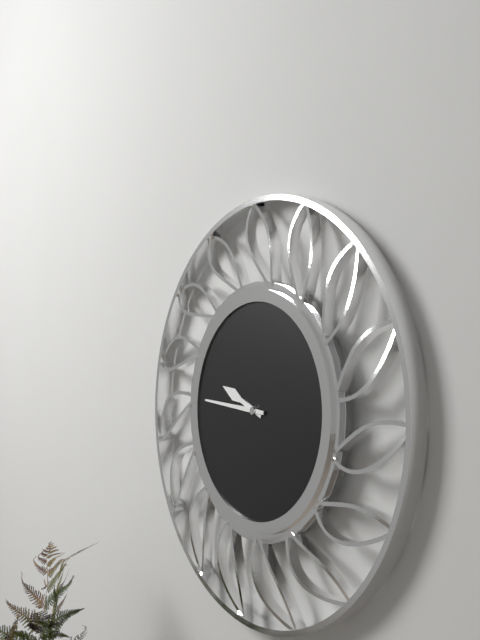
9:46
